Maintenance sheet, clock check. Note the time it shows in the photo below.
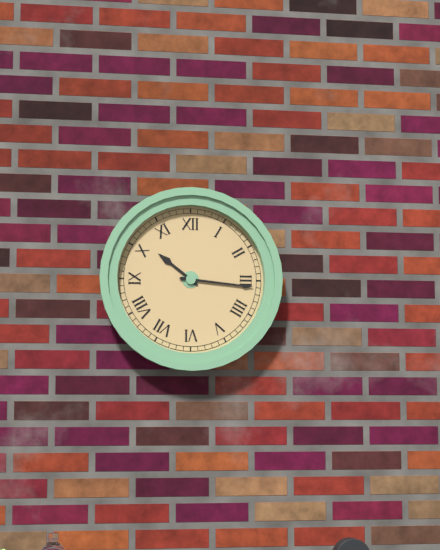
10:16
